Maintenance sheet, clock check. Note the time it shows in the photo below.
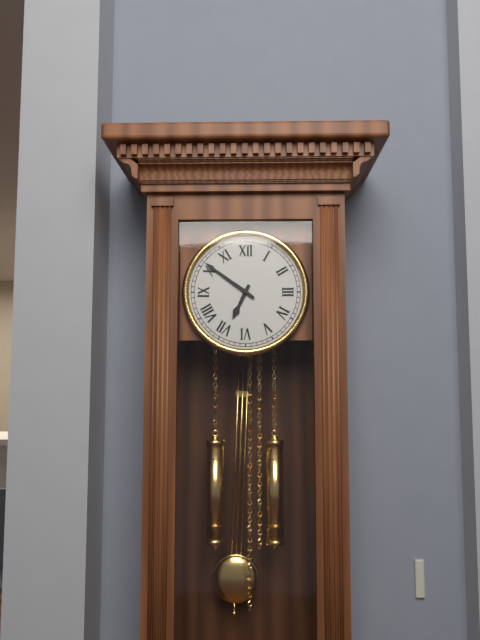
6:51
